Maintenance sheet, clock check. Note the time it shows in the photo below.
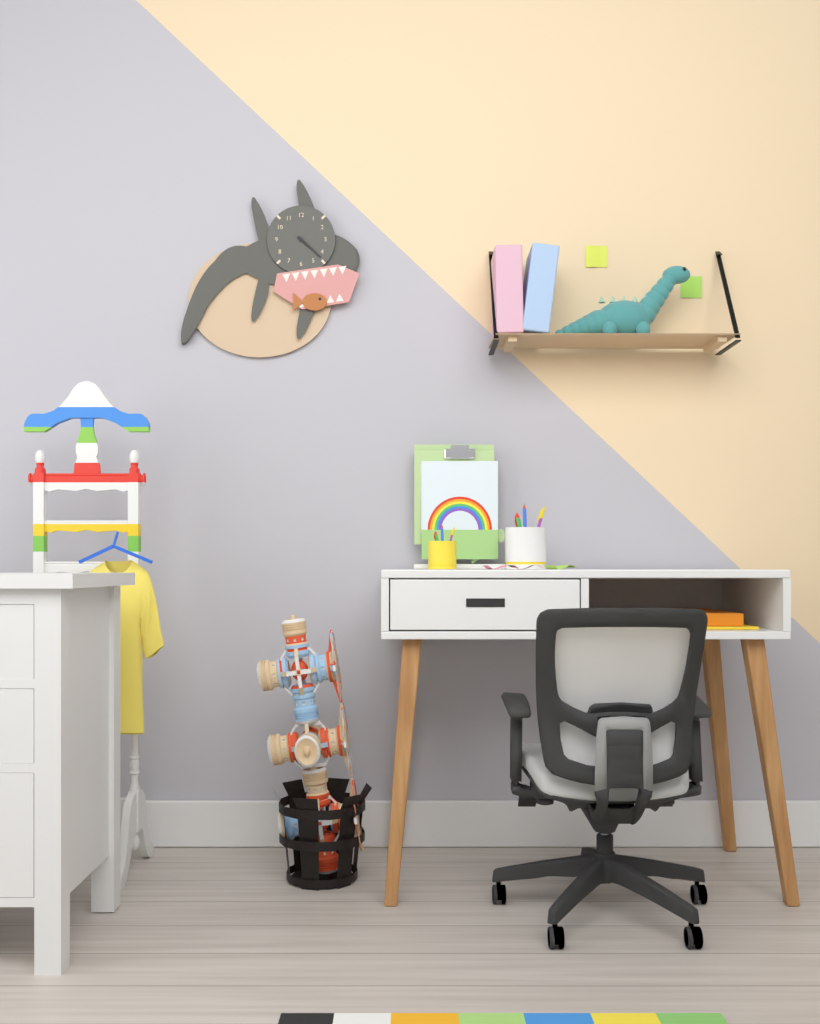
4:22
